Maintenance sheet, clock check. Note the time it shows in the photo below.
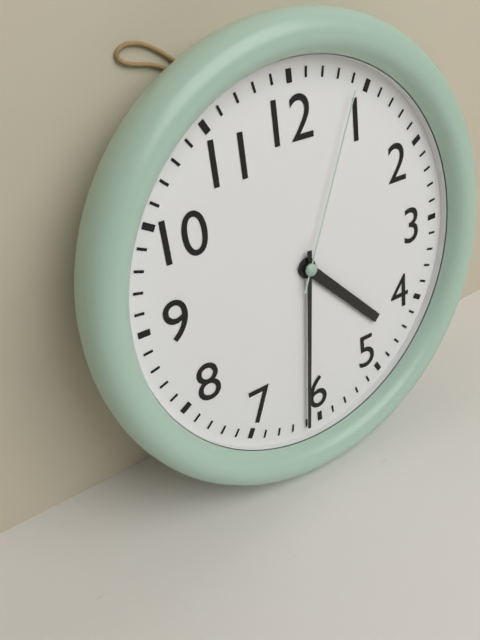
4:31:04
